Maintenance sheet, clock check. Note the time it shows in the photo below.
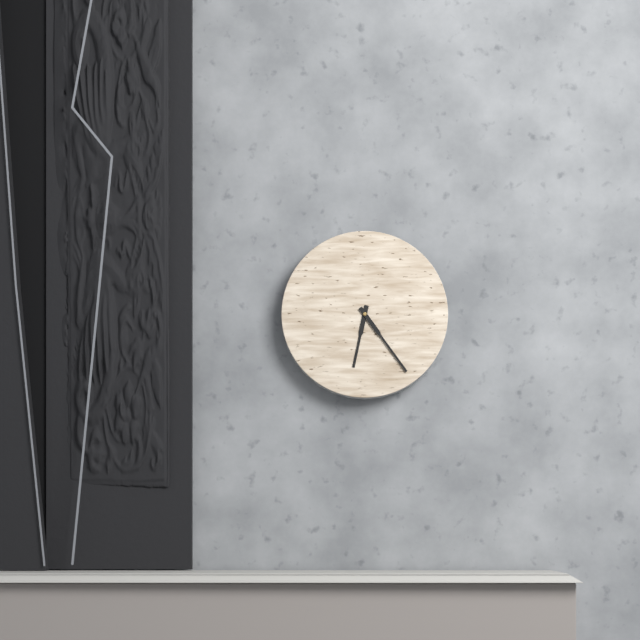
6:24
